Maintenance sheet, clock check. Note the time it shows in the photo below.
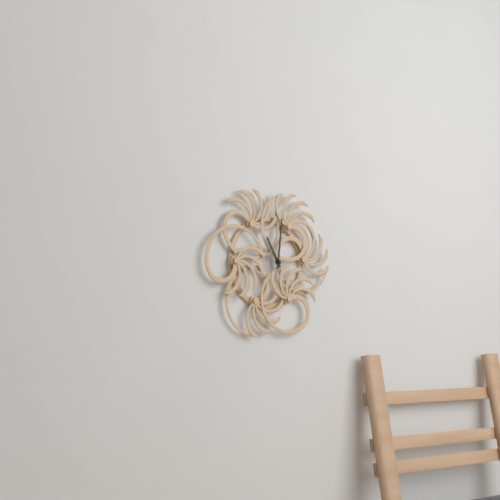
11:01
